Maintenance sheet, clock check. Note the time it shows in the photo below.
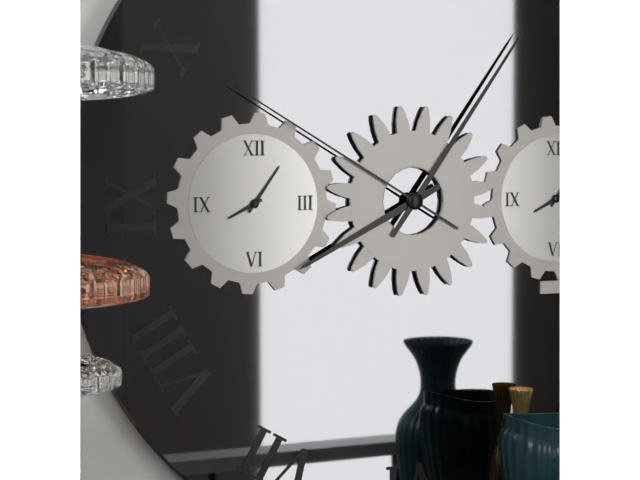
8:06:50
